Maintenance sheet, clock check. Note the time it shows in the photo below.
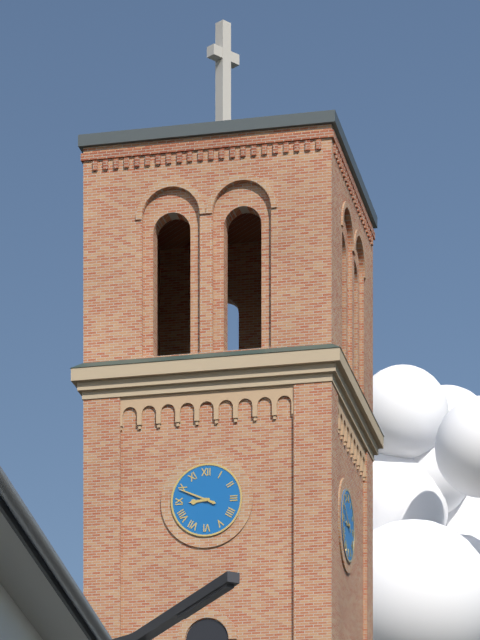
8:49
